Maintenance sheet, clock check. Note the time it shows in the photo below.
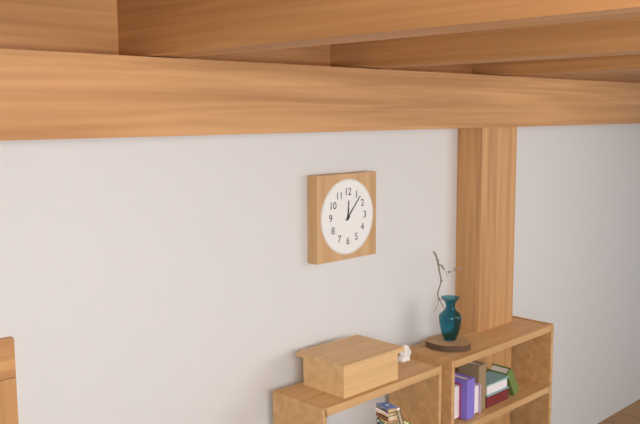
12:07
